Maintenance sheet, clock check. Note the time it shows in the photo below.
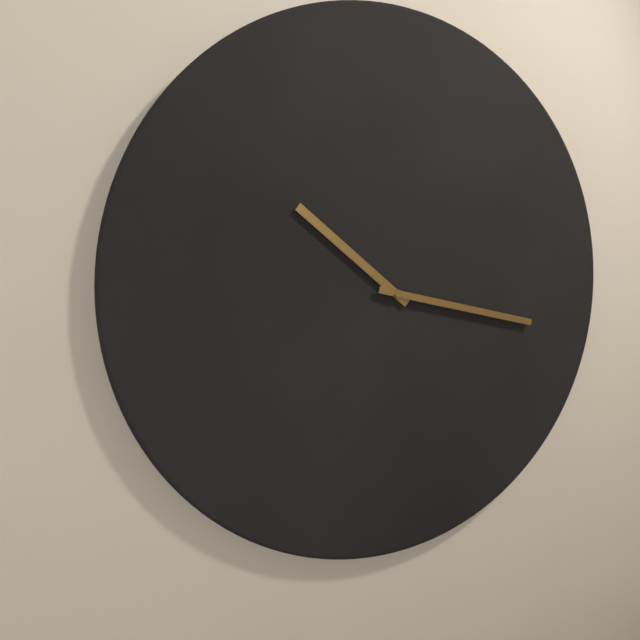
10:17
